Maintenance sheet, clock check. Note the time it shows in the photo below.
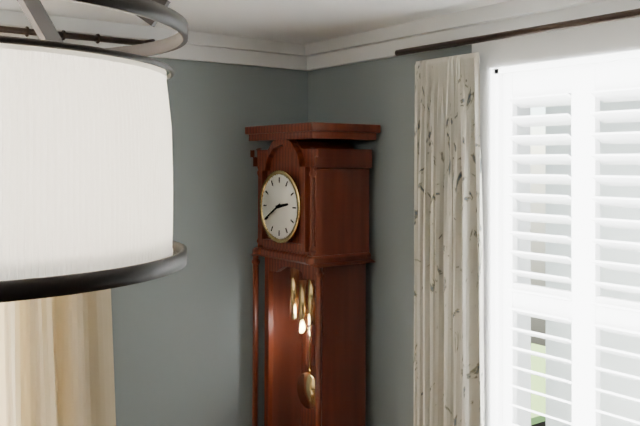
2:40
